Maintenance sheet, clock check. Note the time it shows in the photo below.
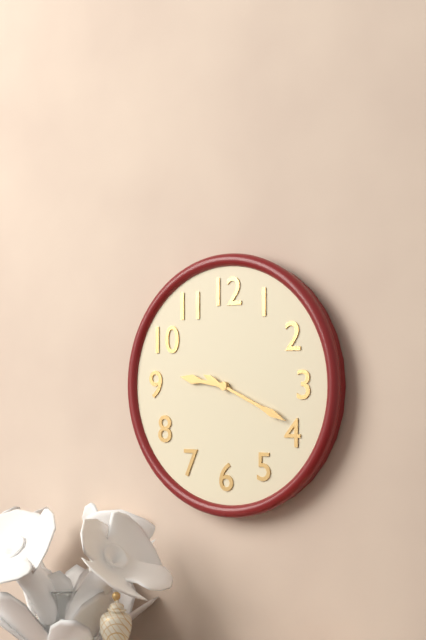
9:19
